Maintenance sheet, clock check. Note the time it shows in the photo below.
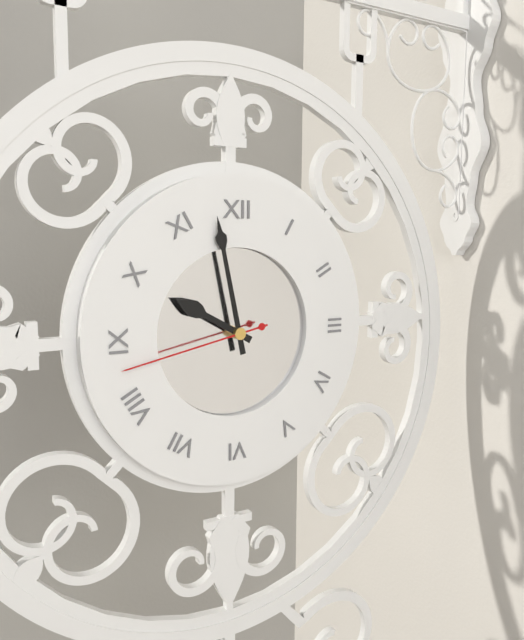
9:58:43
